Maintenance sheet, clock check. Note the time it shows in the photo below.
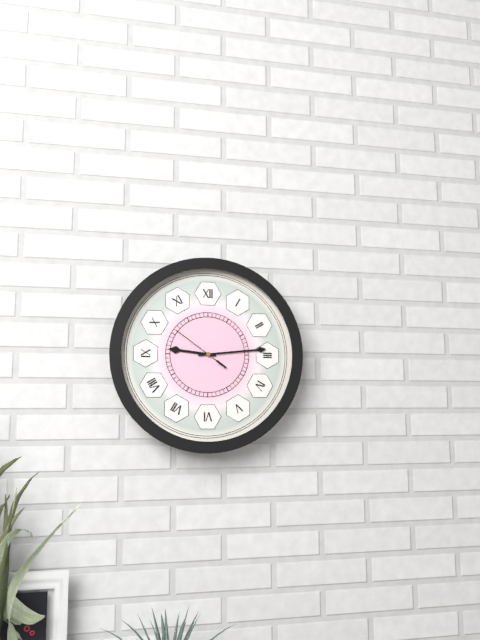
9:14:51
